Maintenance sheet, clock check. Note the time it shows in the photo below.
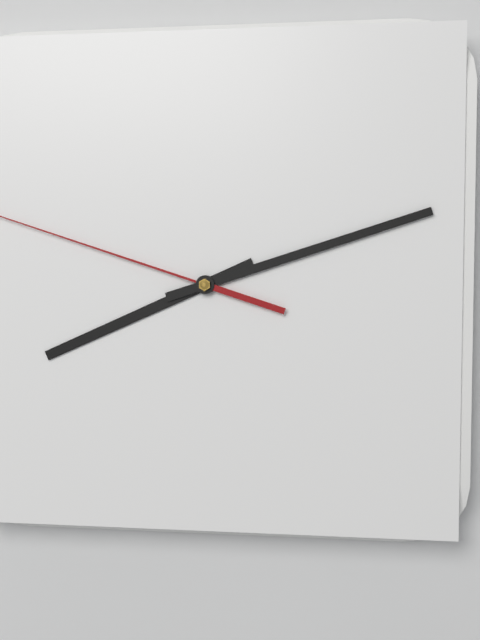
8:12
